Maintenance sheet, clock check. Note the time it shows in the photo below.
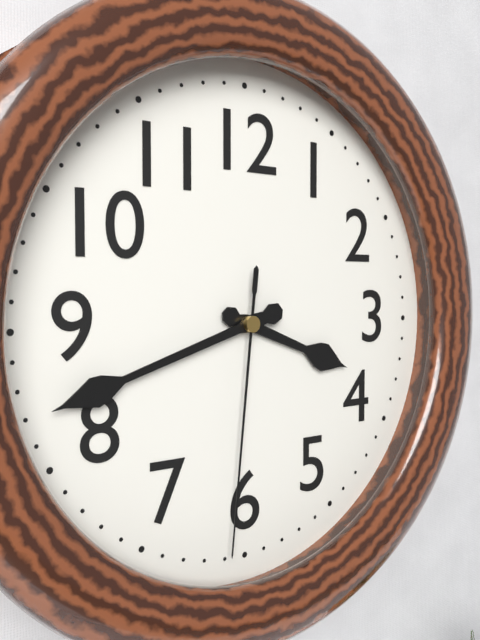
3:42:31
